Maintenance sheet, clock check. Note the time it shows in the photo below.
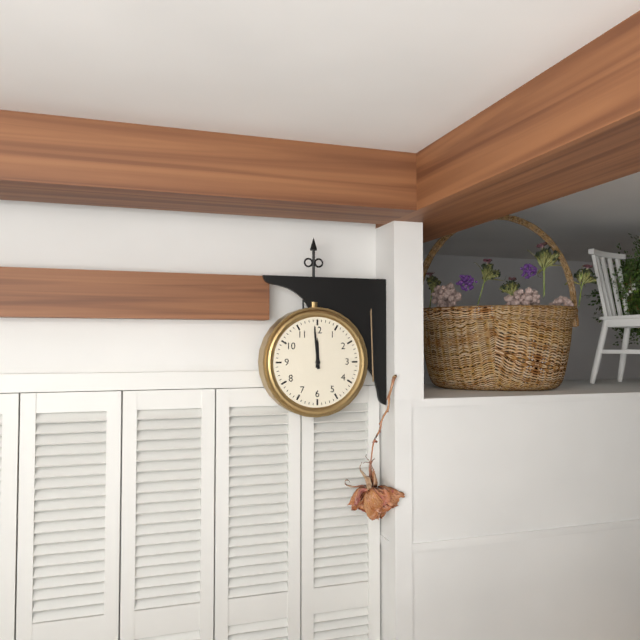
11:59
